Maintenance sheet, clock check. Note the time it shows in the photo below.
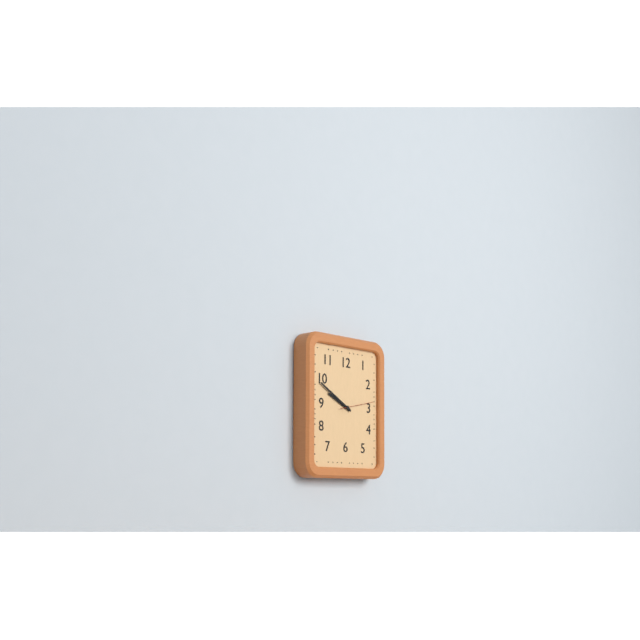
9:50
